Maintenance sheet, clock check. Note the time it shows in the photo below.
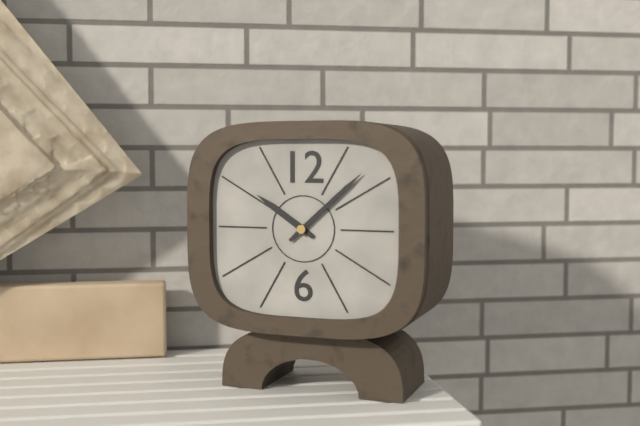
10:08
